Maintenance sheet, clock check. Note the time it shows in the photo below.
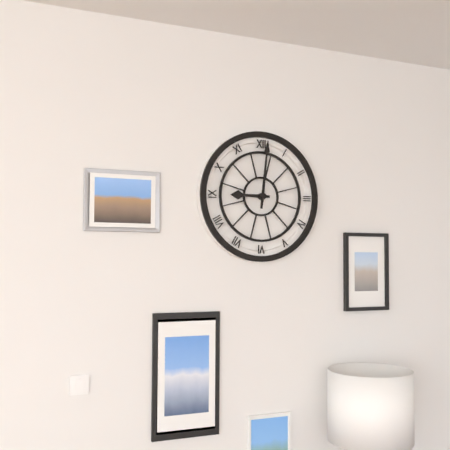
9:01
